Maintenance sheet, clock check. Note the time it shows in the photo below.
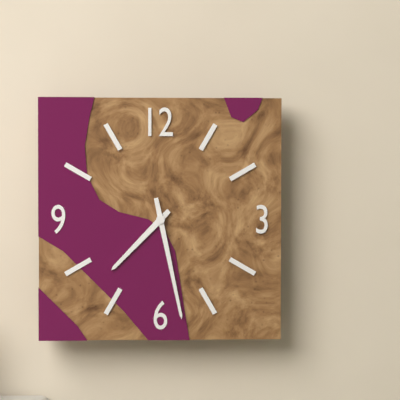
7:28
